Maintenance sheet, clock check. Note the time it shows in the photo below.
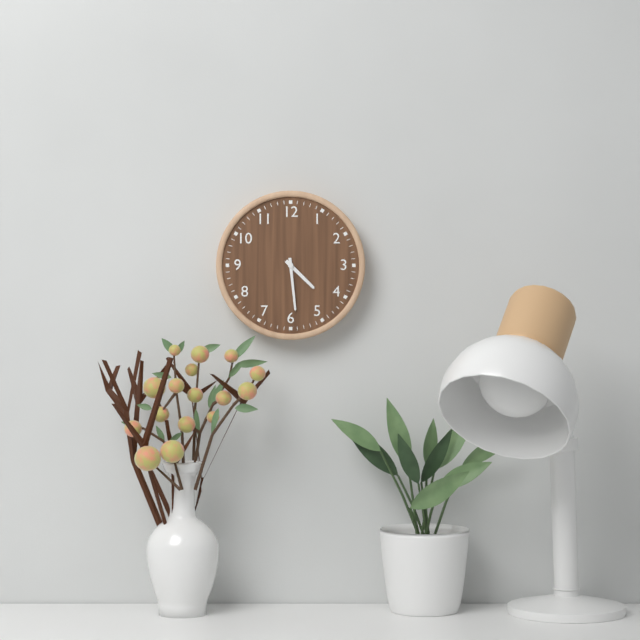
4:29
